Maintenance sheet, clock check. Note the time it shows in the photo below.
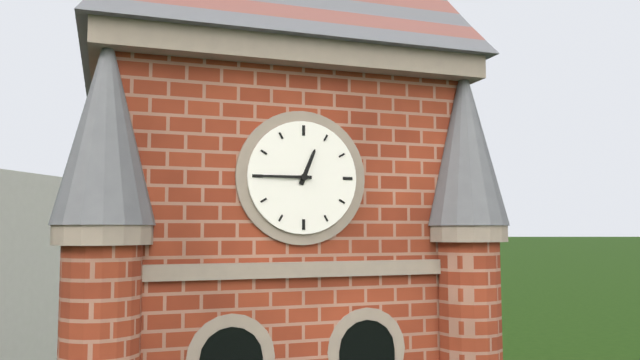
12:45
